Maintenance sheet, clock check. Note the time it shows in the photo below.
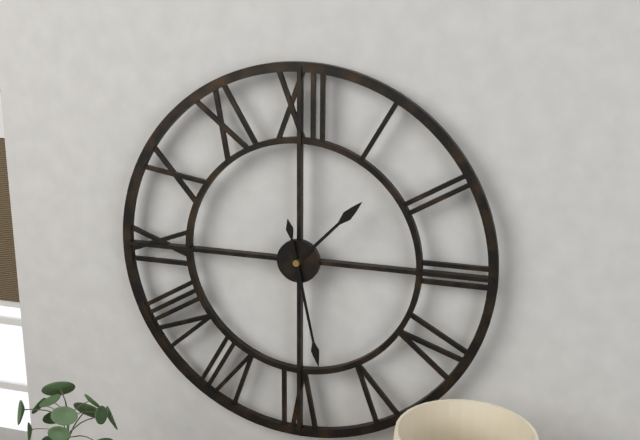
1:28
